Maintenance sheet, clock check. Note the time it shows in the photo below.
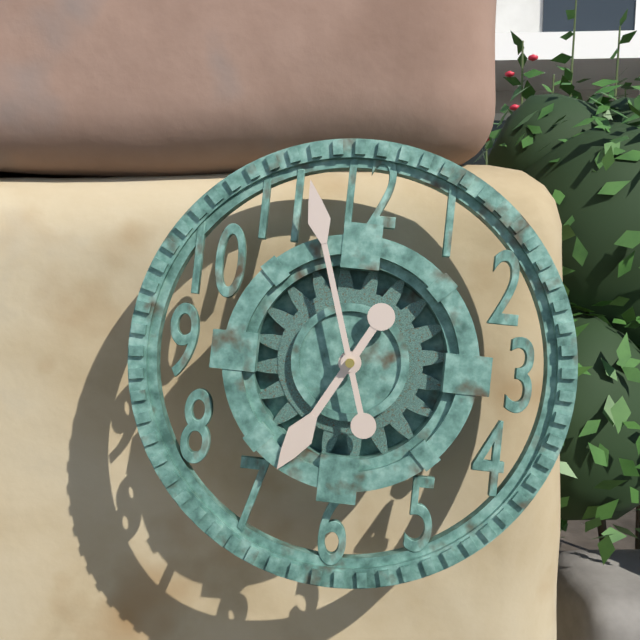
6:57
